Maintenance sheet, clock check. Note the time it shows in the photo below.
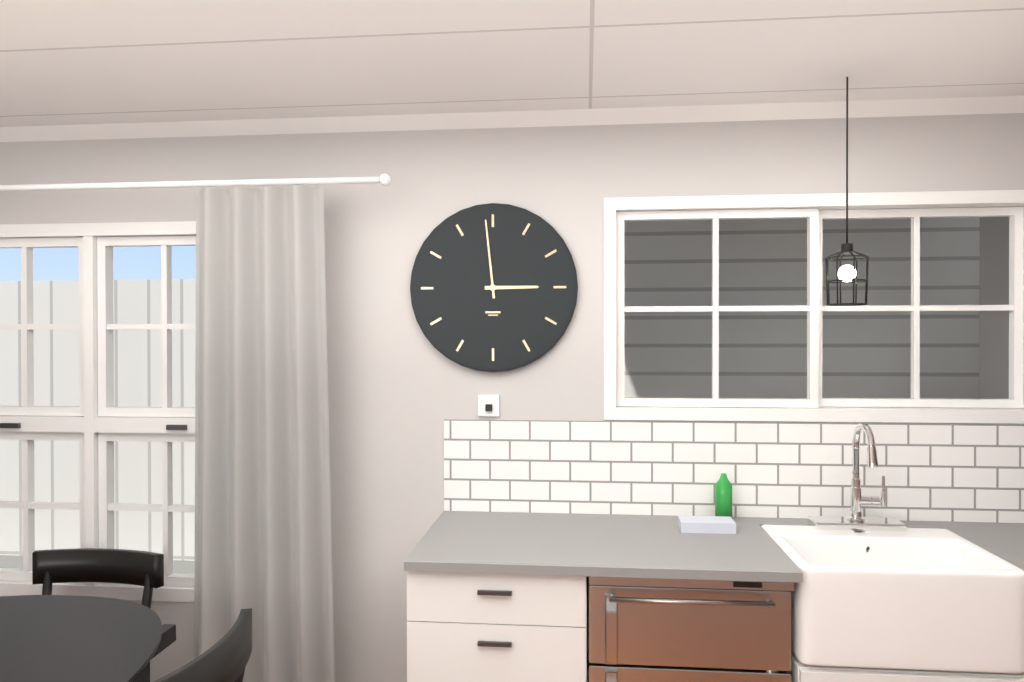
2:59
